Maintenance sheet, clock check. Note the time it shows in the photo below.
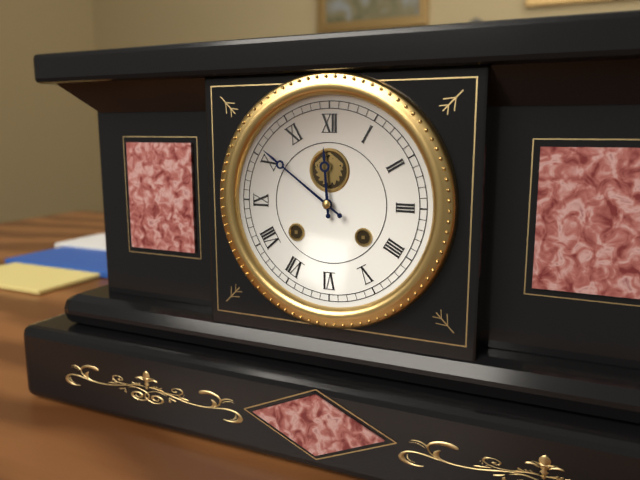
11:51
